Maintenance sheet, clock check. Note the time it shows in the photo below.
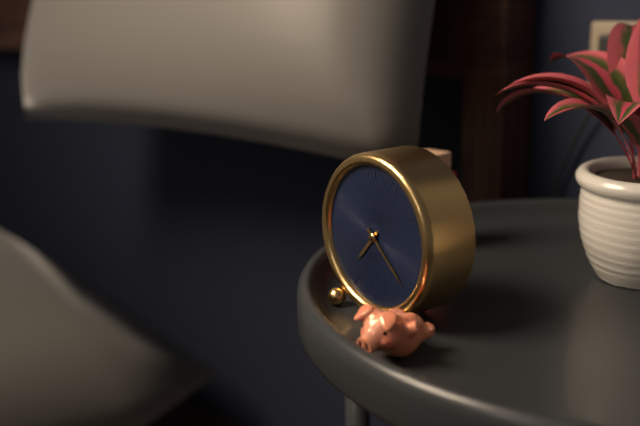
7:22
